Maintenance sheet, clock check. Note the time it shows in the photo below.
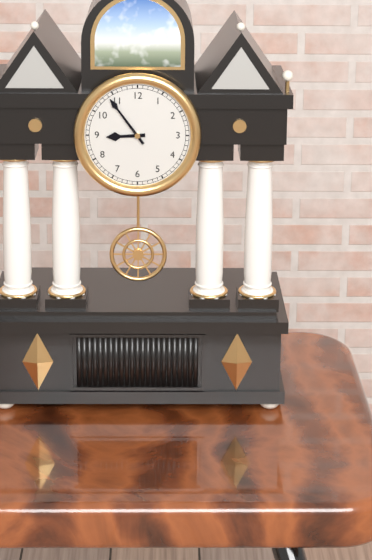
8:54
